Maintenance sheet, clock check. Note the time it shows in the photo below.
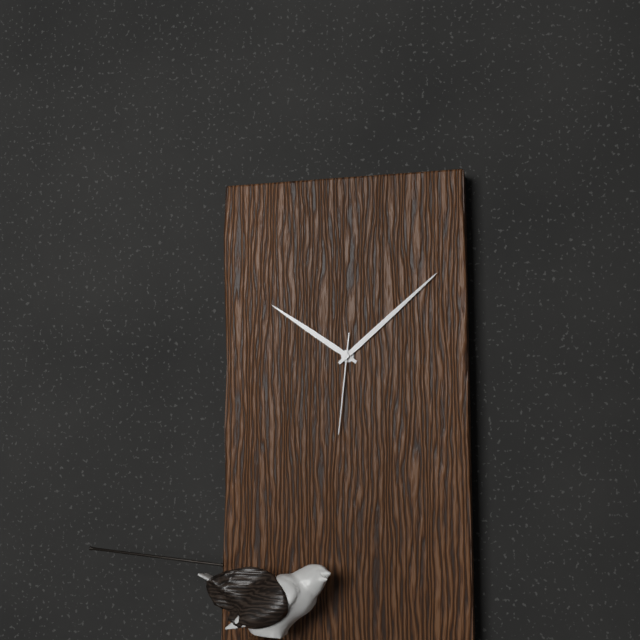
10:08:31
